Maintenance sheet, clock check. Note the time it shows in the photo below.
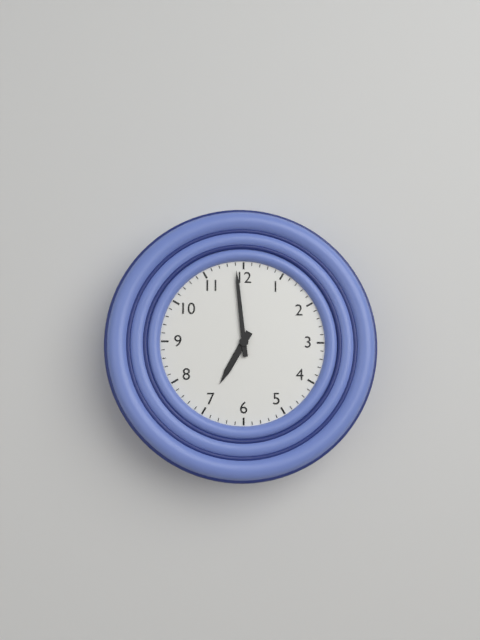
6:59
